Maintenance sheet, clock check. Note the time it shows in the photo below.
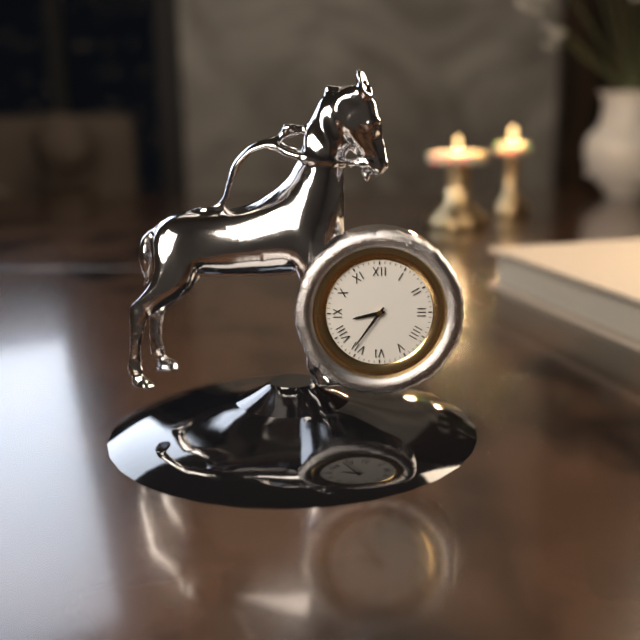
8:36
